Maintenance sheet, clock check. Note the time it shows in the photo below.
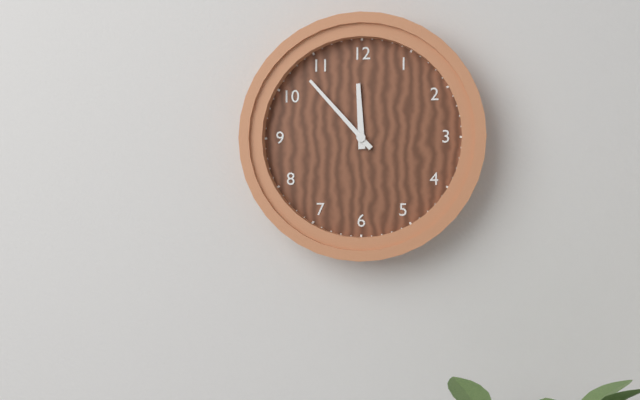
11:53
